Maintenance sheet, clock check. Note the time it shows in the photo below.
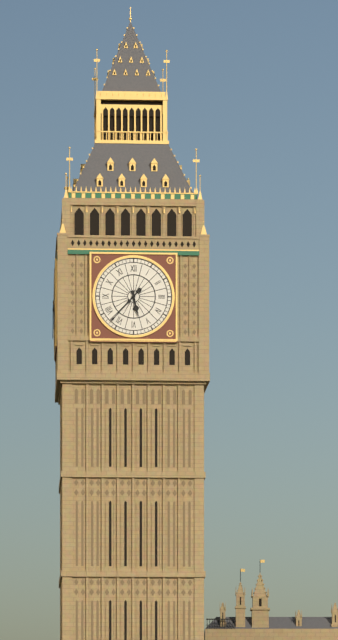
5:37
